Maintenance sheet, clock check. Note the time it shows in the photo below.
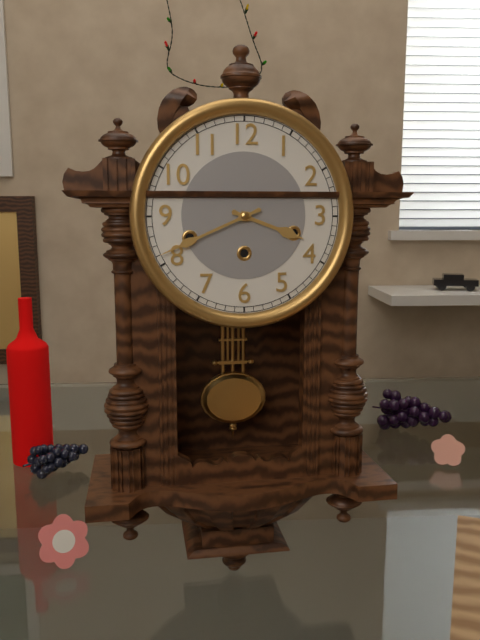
3:41
